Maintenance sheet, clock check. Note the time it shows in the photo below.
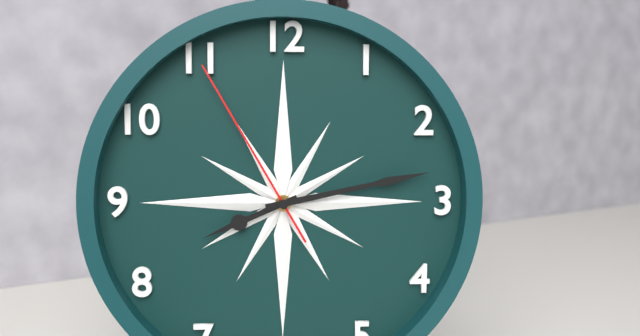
8:13:55
